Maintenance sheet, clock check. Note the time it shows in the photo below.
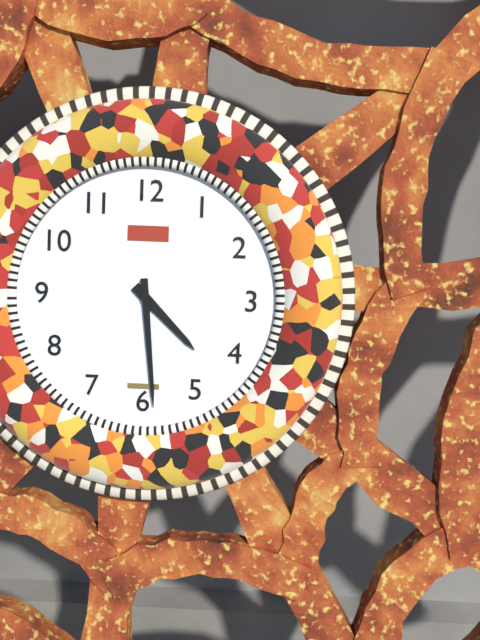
4:29
